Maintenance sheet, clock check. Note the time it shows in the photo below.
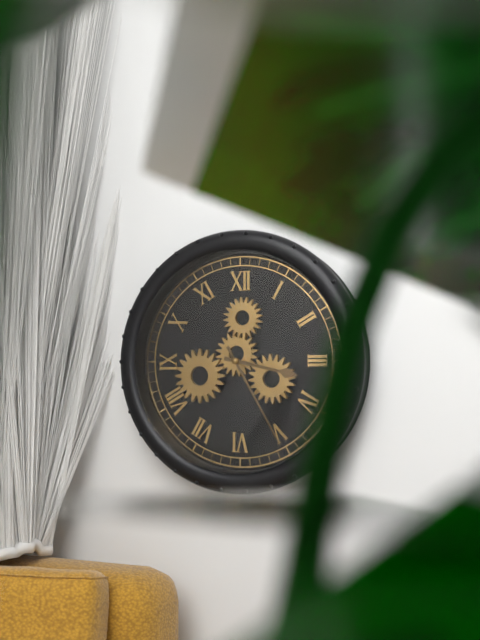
3:25
